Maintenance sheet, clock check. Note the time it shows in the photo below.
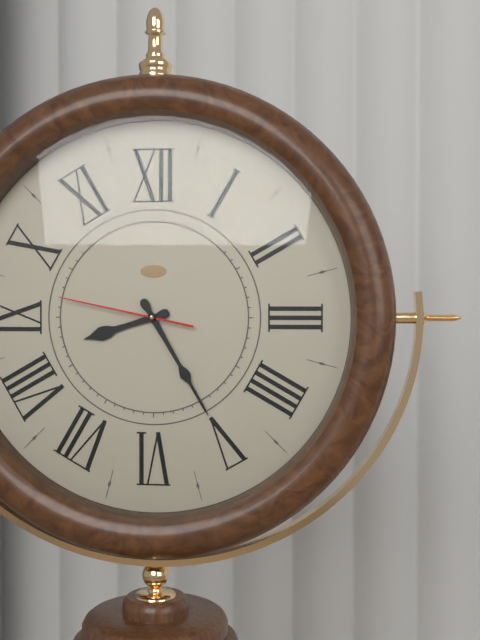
8:25:47
